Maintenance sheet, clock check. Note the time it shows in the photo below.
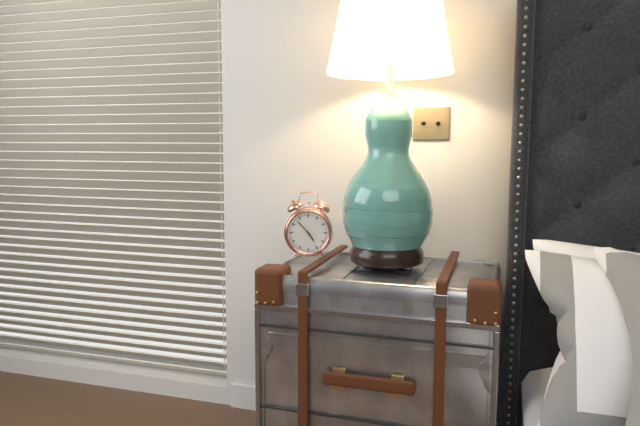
4:53
